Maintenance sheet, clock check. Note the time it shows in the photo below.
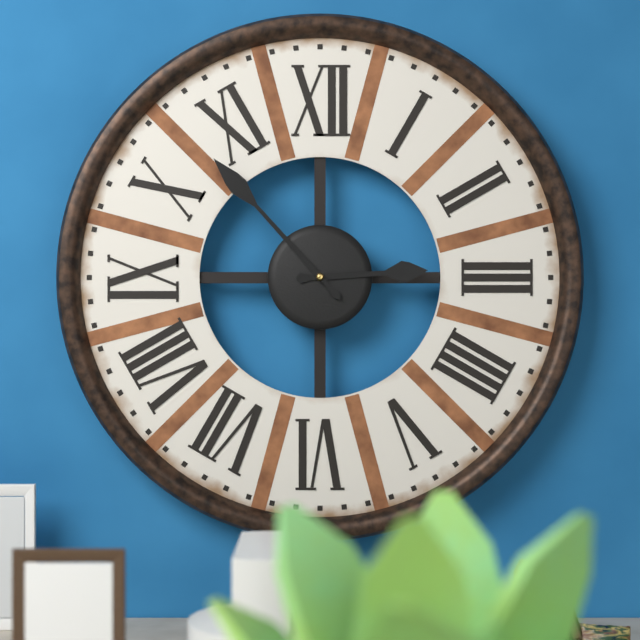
2:53
